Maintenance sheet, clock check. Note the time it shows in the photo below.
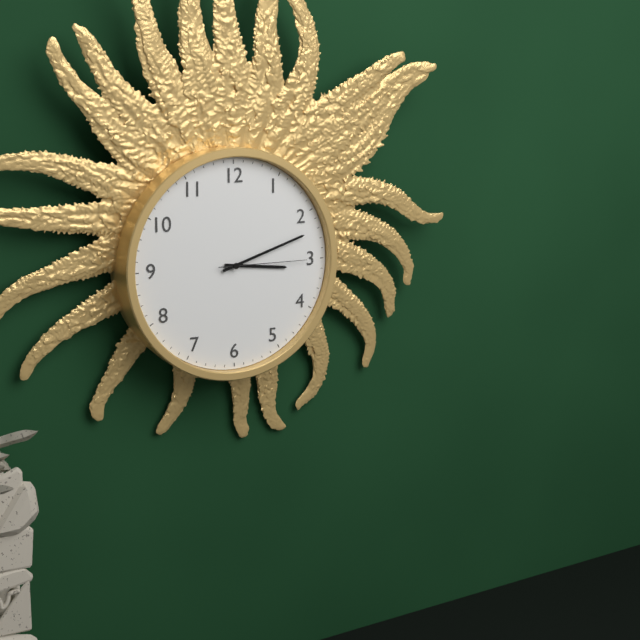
3:12:15
